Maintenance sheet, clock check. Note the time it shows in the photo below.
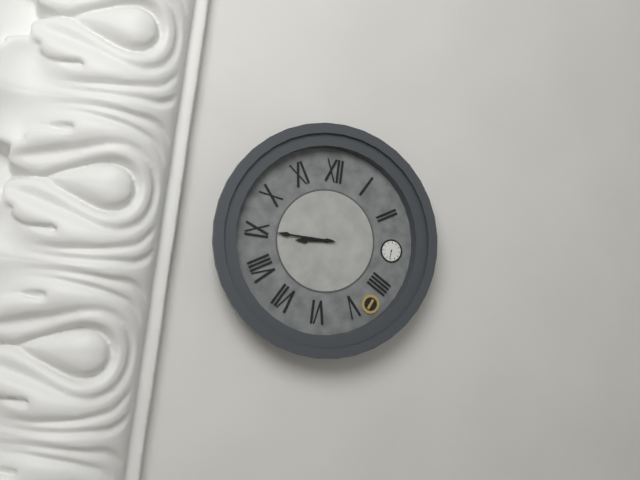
8:45
